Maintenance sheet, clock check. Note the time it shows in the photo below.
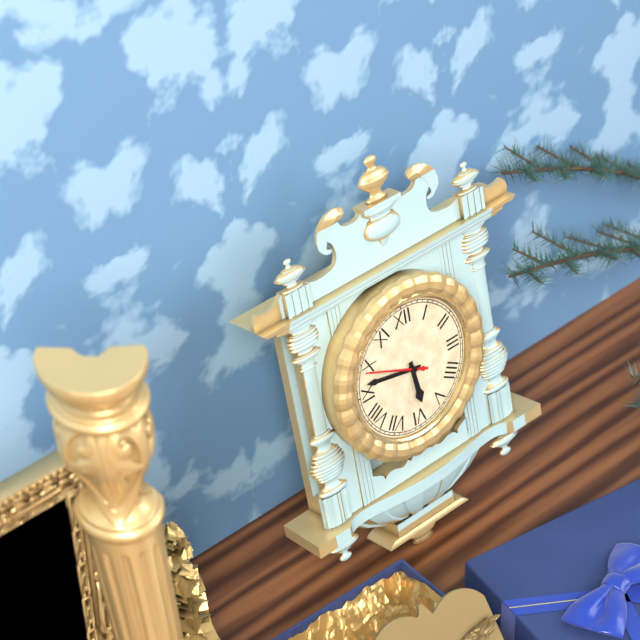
5:47:49
